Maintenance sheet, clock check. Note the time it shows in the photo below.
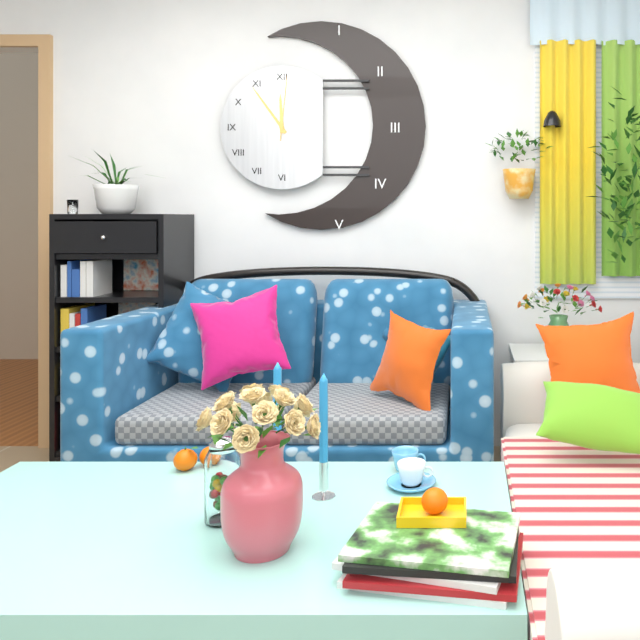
11:54:01
